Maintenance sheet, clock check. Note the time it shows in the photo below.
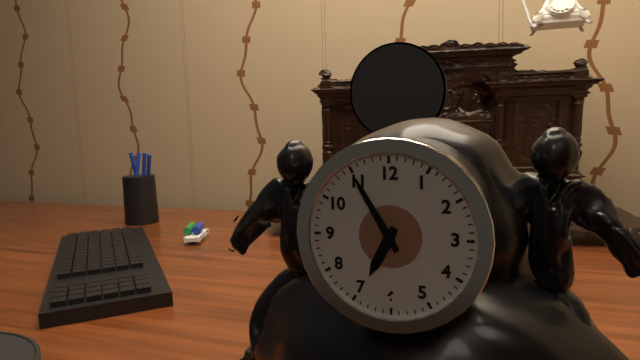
6:55
